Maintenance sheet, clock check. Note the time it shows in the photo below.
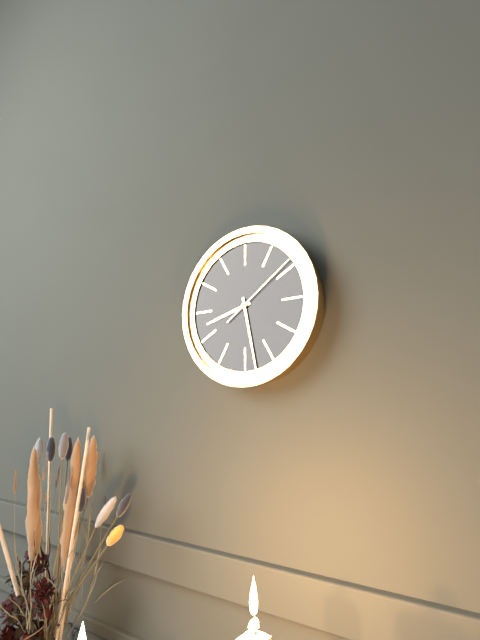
8:28:09
